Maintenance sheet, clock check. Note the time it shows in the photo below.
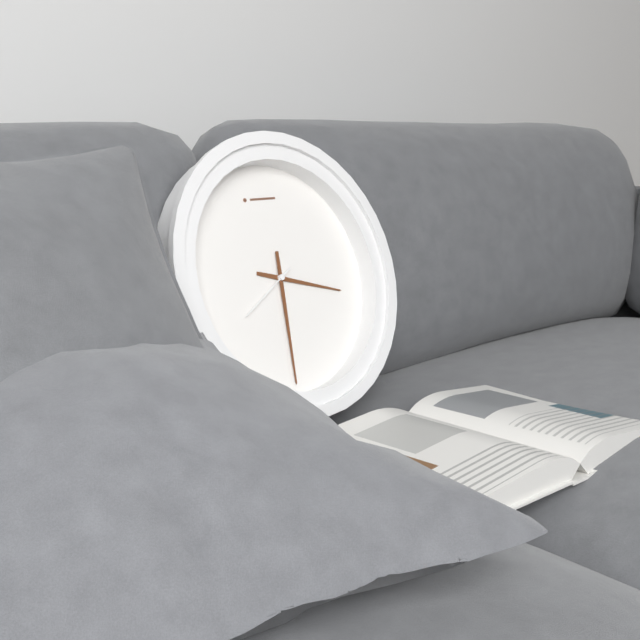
3:31:40
